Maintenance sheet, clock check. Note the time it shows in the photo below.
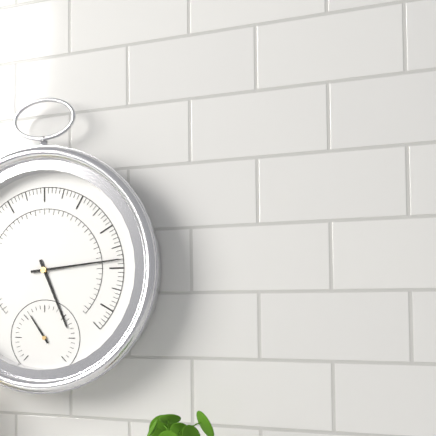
5:14
